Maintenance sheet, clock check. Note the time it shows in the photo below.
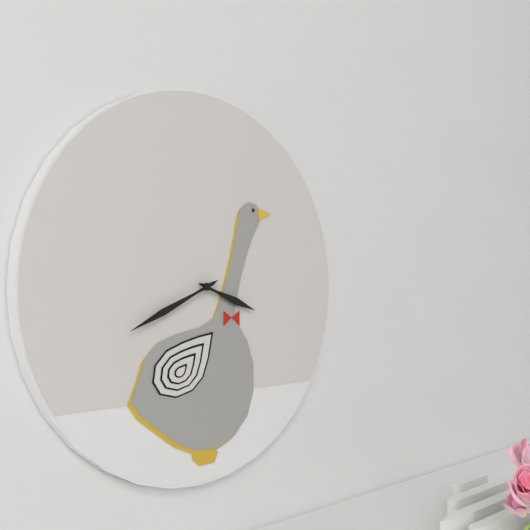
3:41
